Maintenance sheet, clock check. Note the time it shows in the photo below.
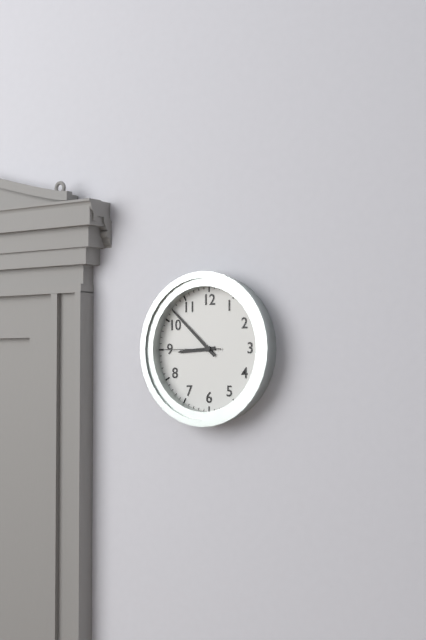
8:52:45
